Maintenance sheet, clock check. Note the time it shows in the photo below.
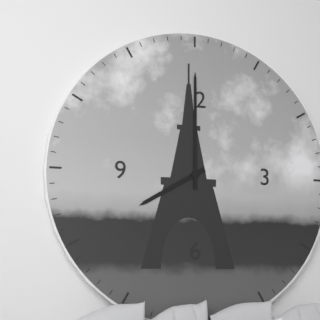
8:00
